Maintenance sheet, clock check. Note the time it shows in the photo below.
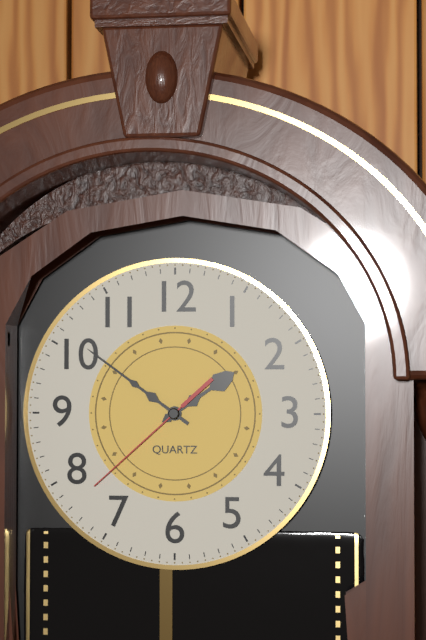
1:51:38
